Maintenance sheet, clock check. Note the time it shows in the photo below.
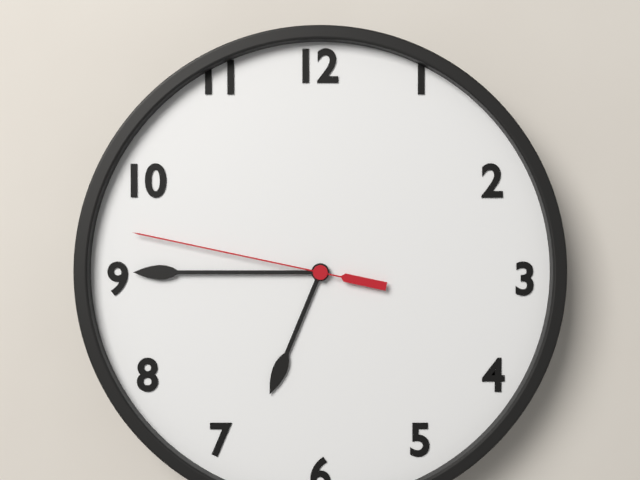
6:45:47
